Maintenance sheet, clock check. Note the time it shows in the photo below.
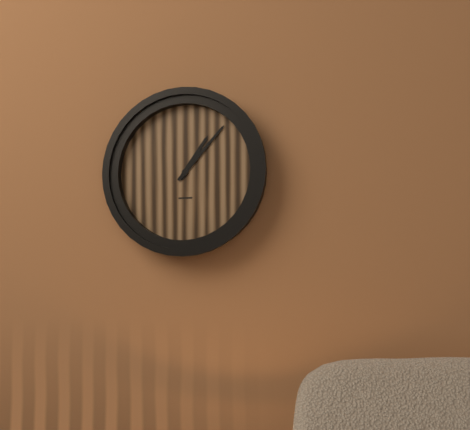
1:07
